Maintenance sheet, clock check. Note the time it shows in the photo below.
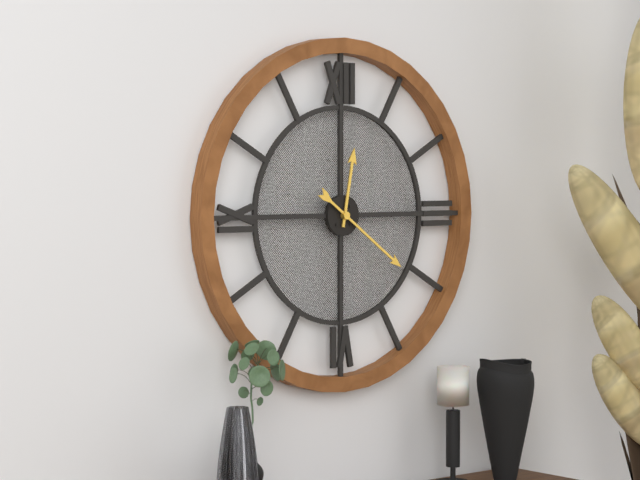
12:21
